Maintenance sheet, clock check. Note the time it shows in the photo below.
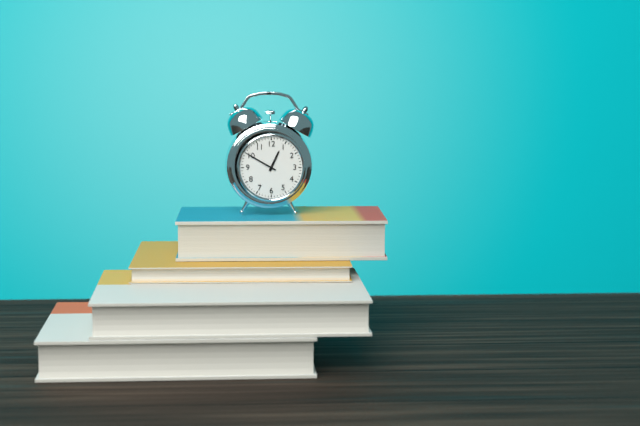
12:50
